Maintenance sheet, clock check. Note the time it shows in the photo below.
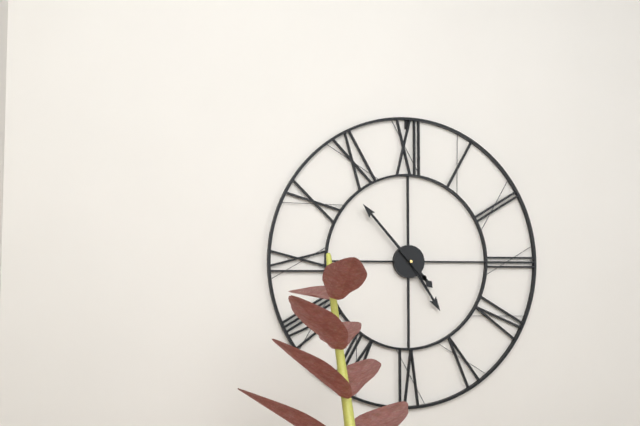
4:53
